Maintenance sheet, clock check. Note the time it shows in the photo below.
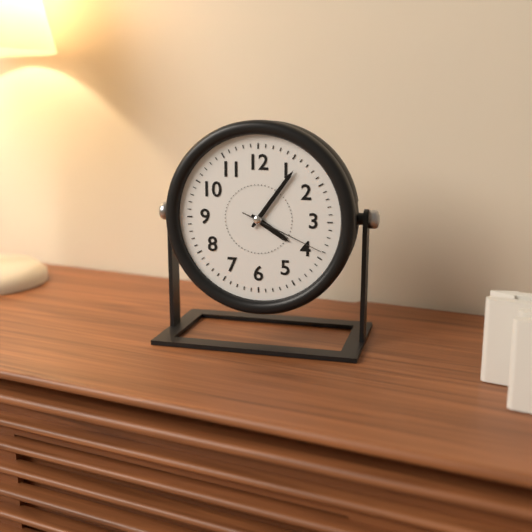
4:06:19
